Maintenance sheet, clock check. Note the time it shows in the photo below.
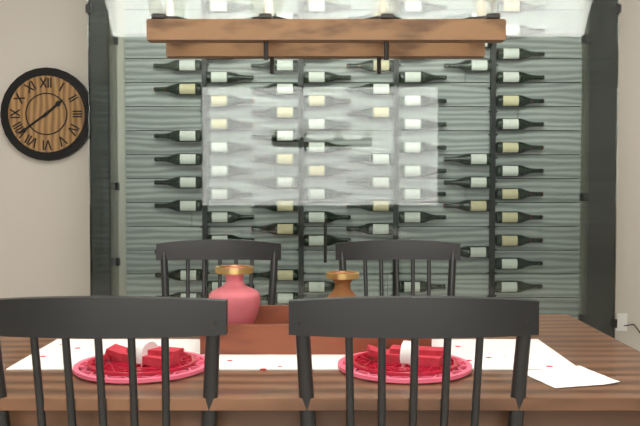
1:39
